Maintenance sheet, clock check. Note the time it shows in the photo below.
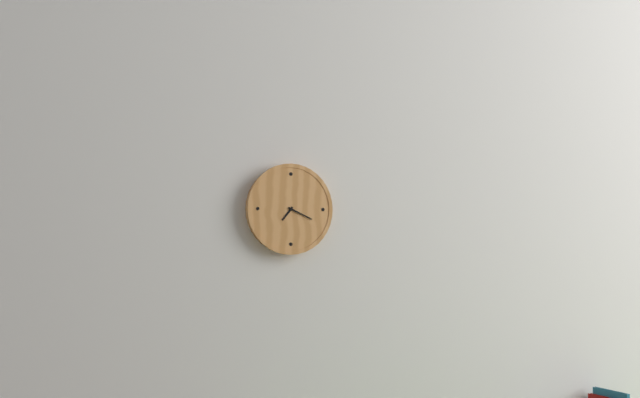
7:19
